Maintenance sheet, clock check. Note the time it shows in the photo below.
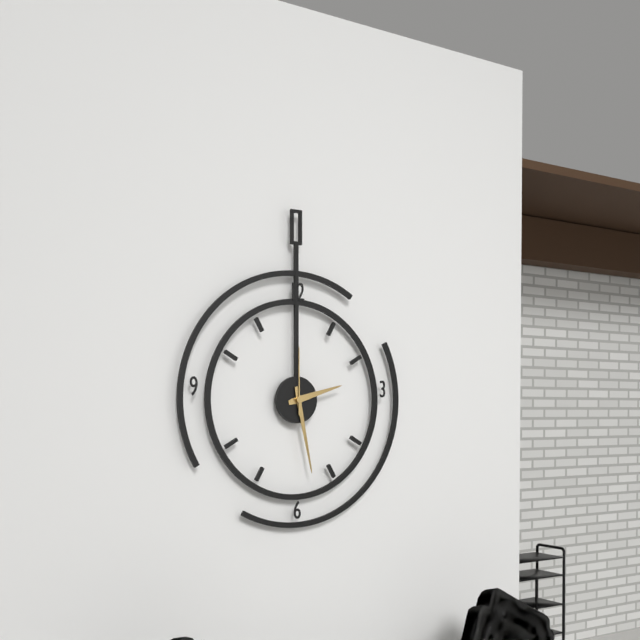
2:28:00
